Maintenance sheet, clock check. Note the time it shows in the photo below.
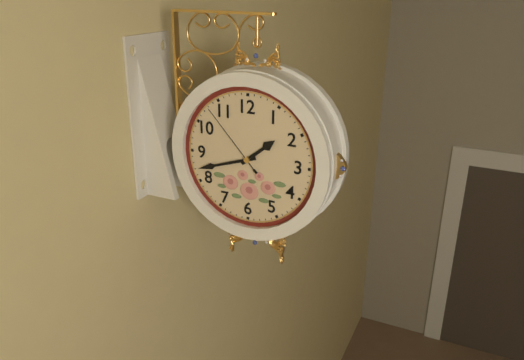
1:42:53
